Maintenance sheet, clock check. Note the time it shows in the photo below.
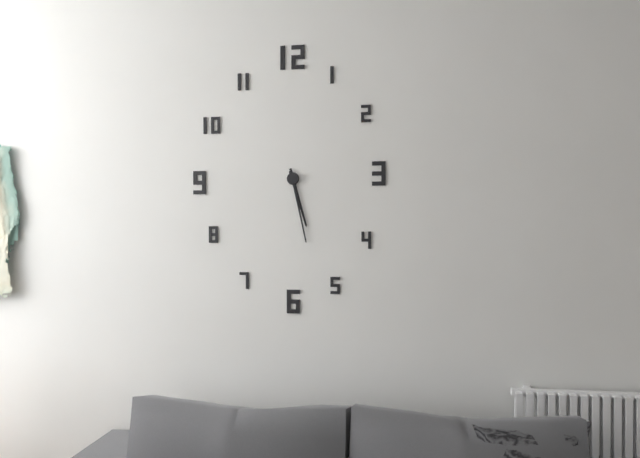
5:28
